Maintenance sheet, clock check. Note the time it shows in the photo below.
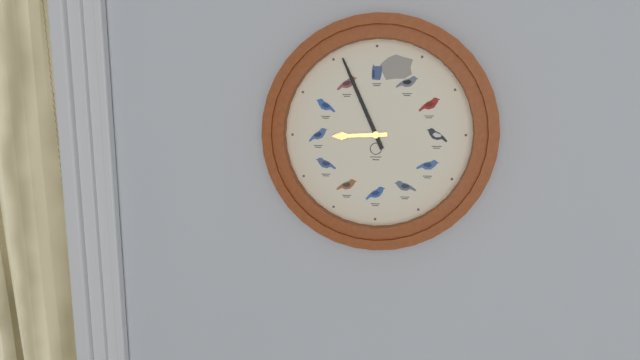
8:56
